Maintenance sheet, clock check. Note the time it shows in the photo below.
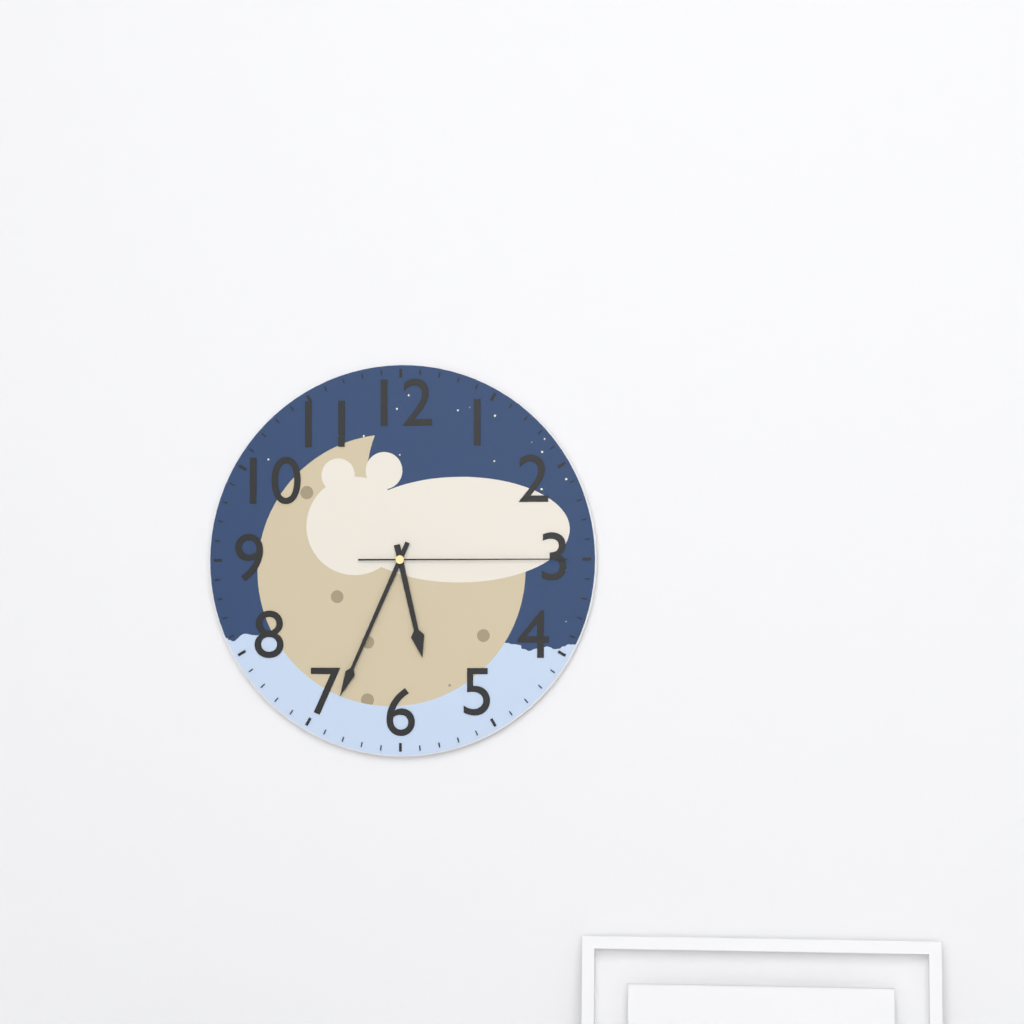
5:34:15
